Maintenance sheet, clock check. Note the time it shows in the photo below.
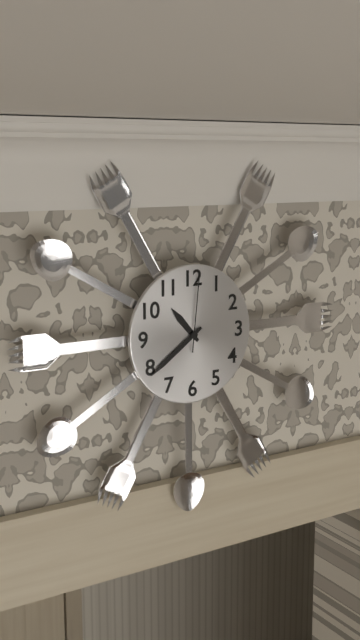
10:39:01
